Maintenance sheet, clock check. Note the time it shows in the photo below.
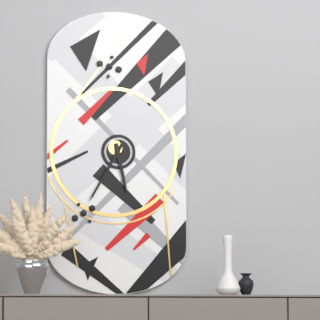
5:35
